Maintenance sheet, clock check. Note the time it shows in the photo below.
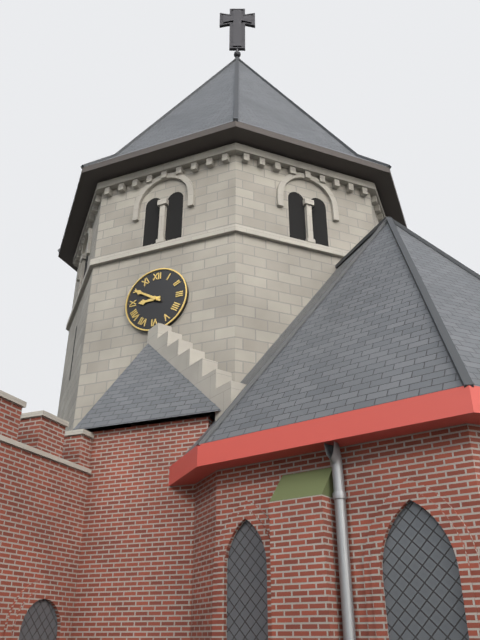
8:50
